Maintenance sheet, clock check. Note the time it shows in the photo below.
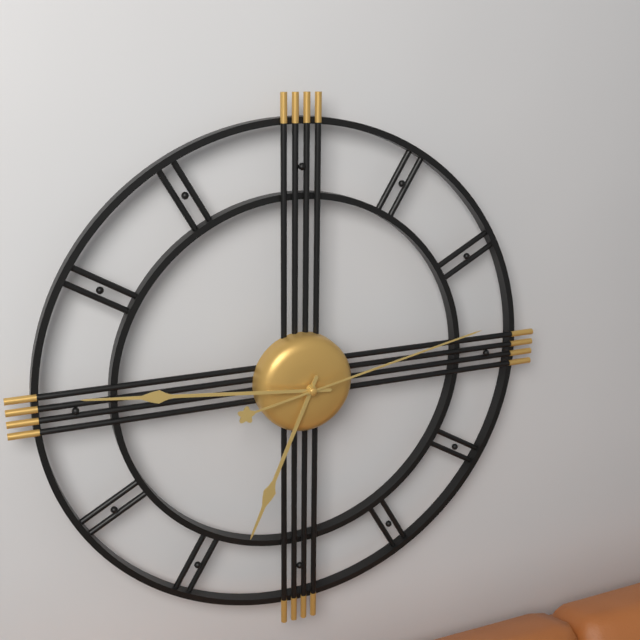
6:46:13
